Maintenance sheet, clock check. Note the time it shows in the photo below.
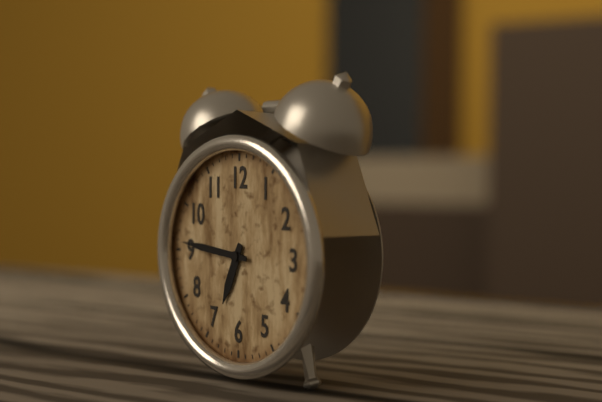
6:46
